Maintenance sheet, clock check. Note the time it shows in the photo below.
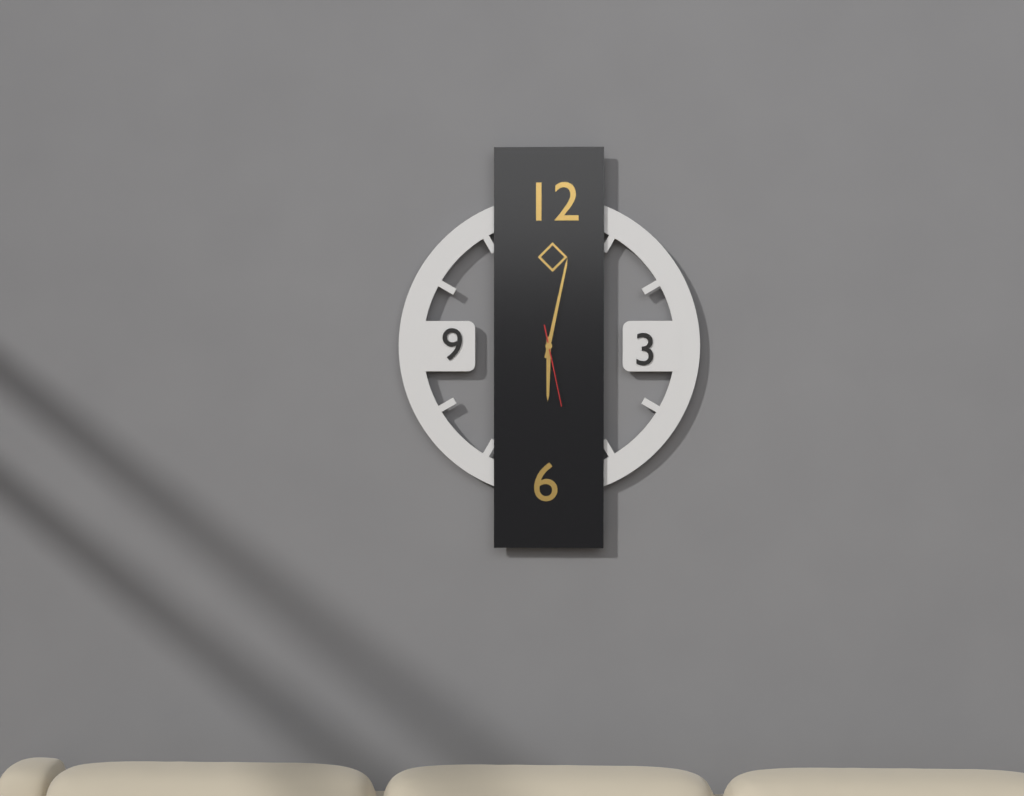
6:02:28
